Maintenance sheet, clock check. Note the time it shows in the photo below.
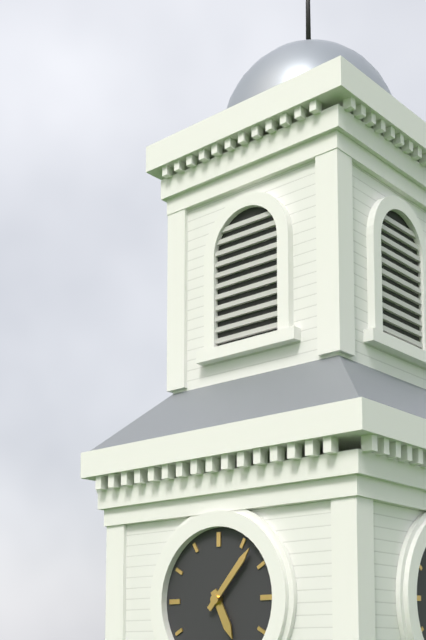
5:07
